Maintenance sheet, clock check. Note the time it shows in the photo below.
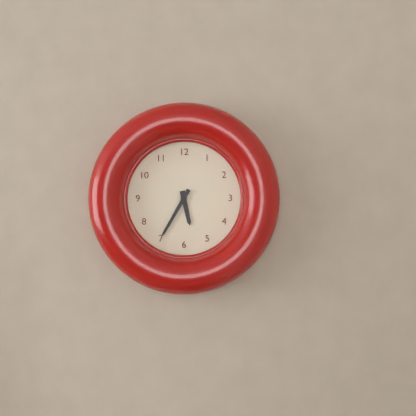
5:35
